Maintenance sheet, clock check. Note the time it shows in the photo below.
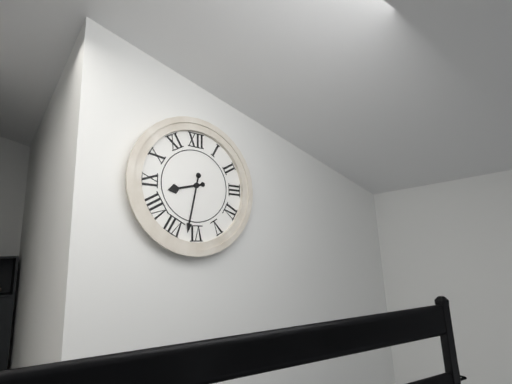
8:32
